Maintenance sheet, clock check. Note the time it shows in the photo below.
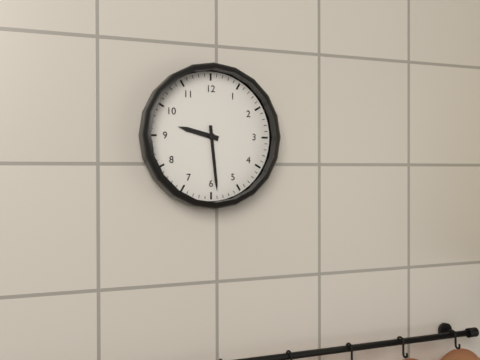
9:29
